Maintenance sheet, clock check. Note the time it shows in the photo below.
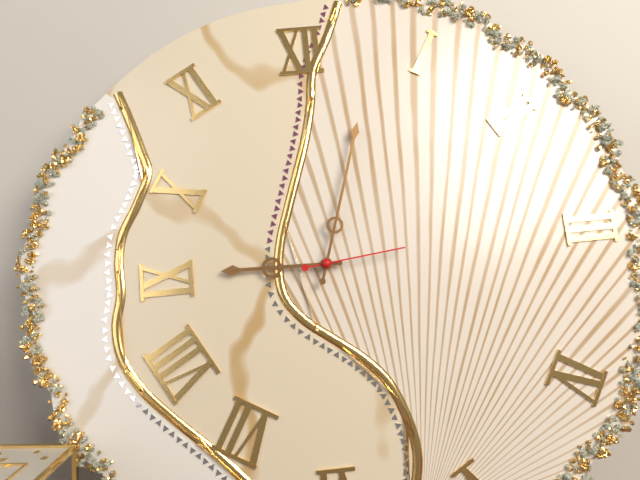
9:03:14
